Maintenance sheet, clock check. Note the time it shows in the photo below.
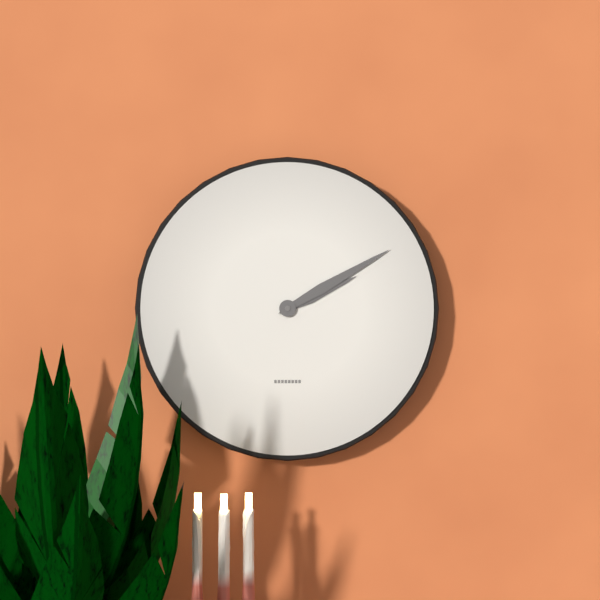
2:10
